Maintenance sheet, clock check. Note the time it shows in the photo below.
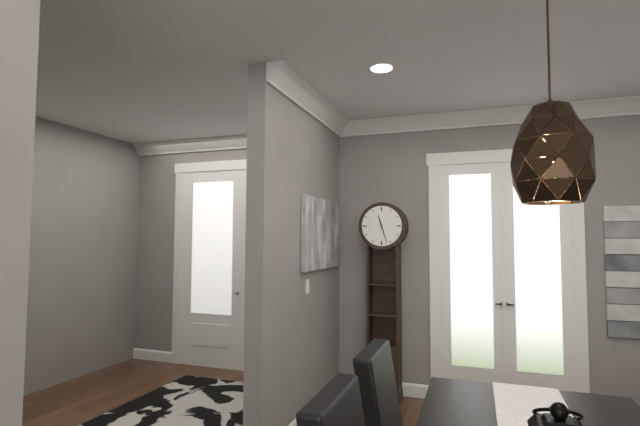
11:27
